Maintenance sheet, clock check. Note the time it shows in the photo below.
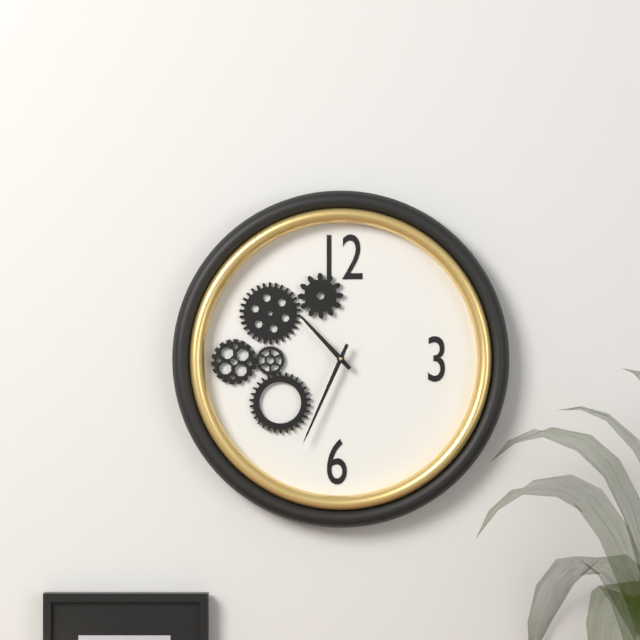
10:34
